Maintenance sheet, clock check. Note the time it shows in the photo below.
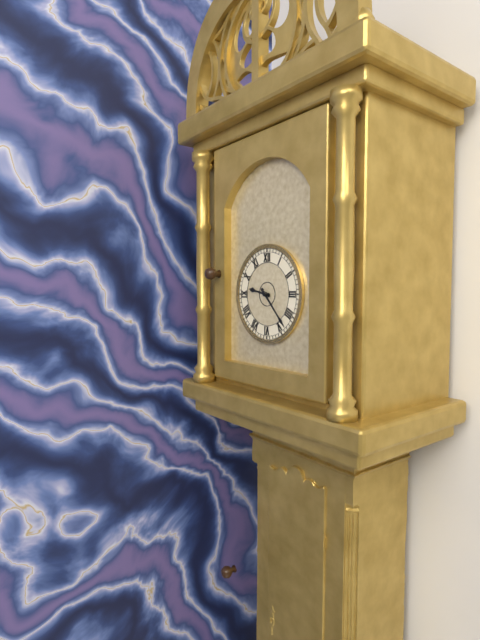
9:23
